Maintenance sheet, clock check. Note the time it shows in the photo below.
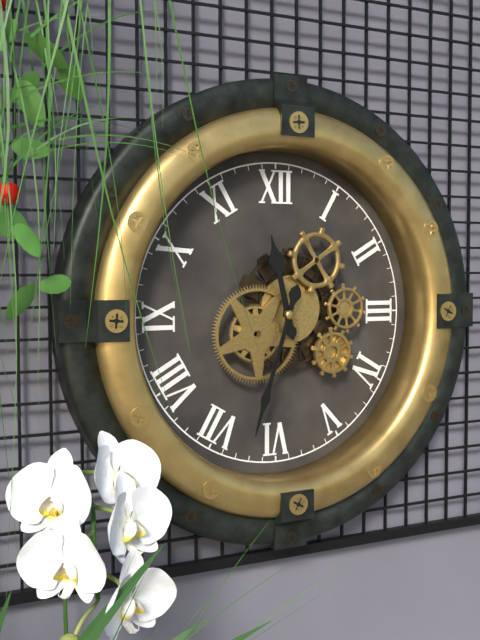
11:33
